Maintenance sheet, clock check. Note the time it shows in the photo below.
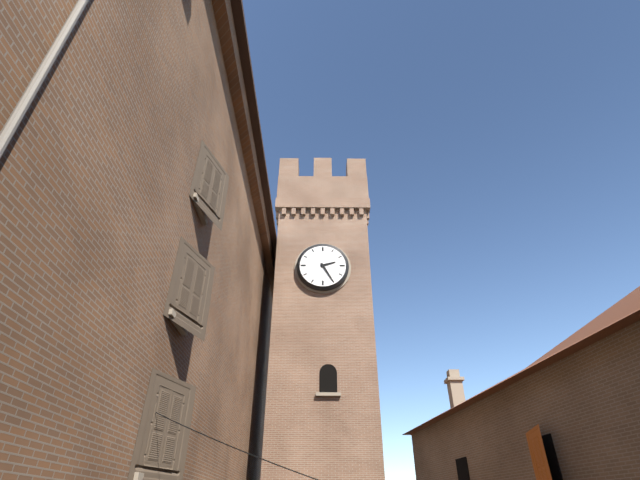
2:25
